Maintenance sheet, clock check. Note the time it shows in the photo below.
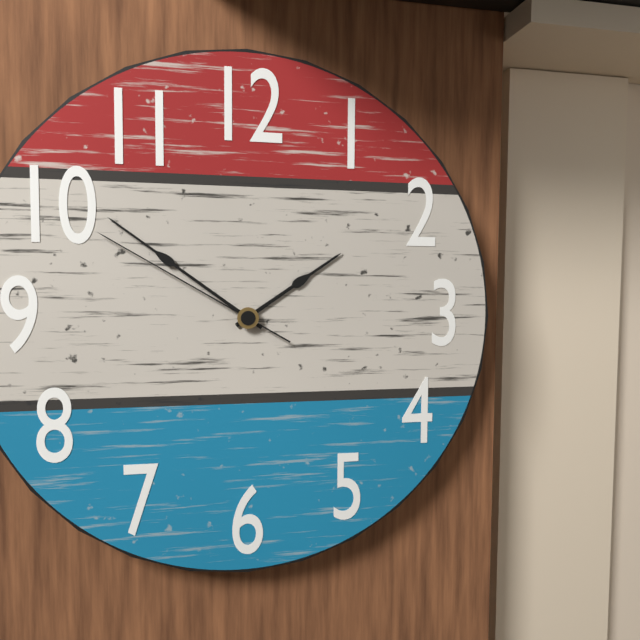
1:51:50
